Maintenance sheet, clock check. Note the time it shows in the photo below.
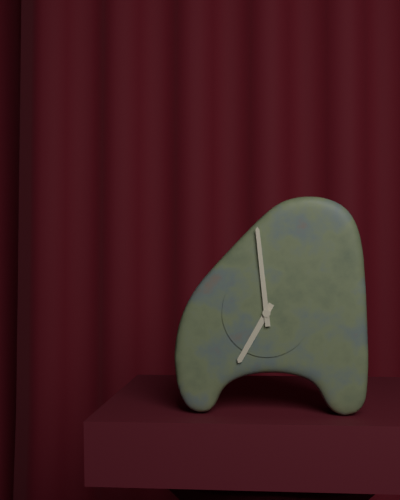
6:59
